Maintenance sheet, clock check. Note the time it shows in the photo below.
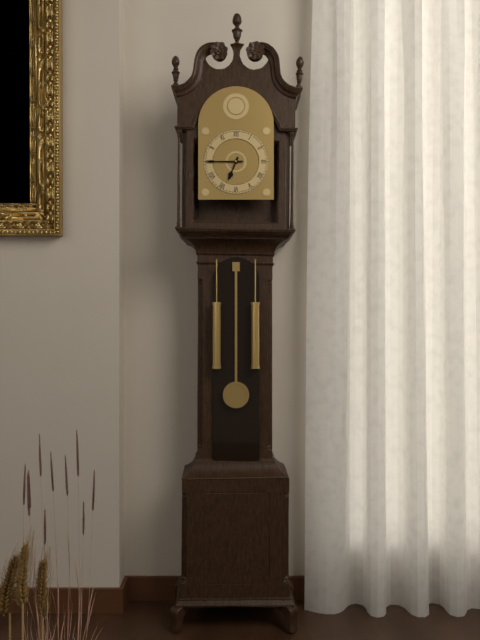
6:45
